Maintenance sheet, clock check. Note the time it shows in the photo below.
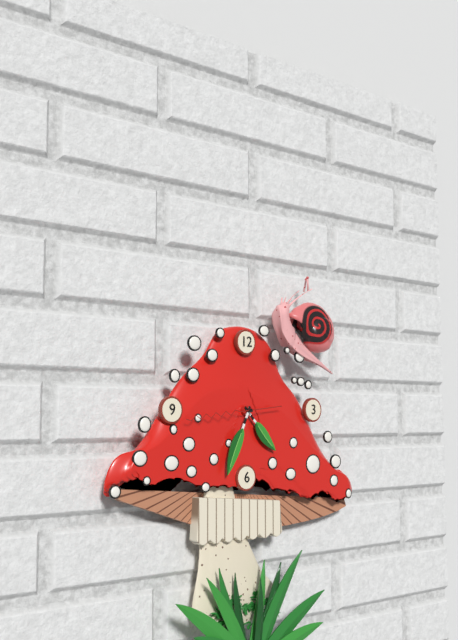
4:34:44
